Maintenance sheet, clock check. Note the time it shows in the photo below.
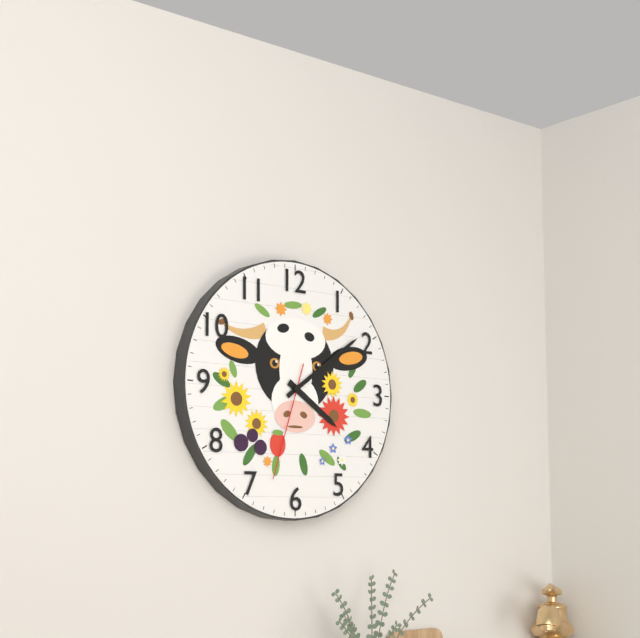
4:09:33
